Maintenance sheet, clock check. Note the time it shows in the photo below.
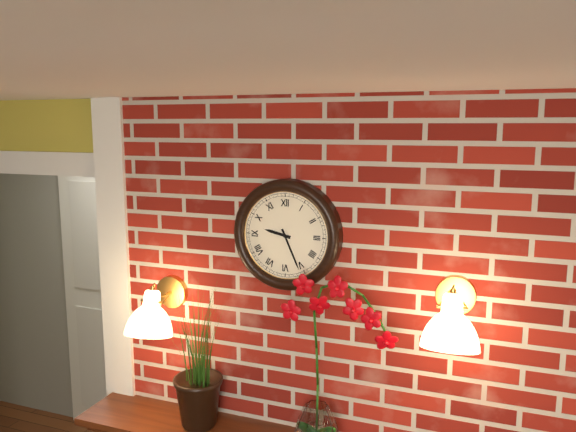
9:26
